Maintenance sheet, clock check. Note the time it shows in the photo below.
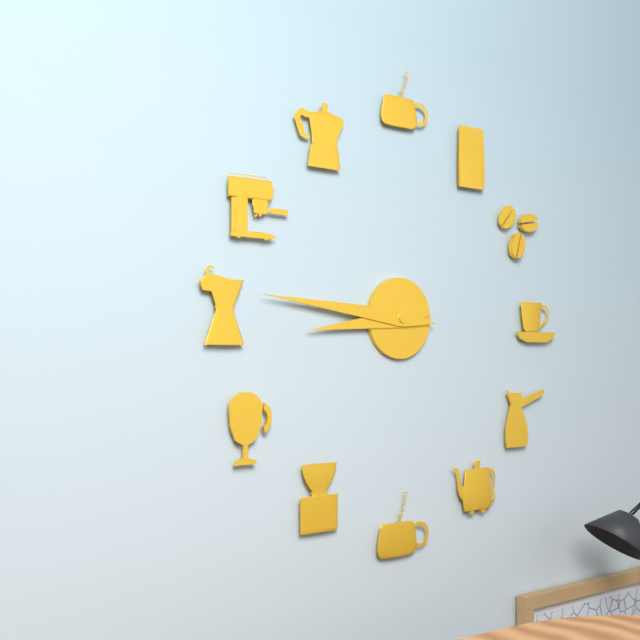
8:46
